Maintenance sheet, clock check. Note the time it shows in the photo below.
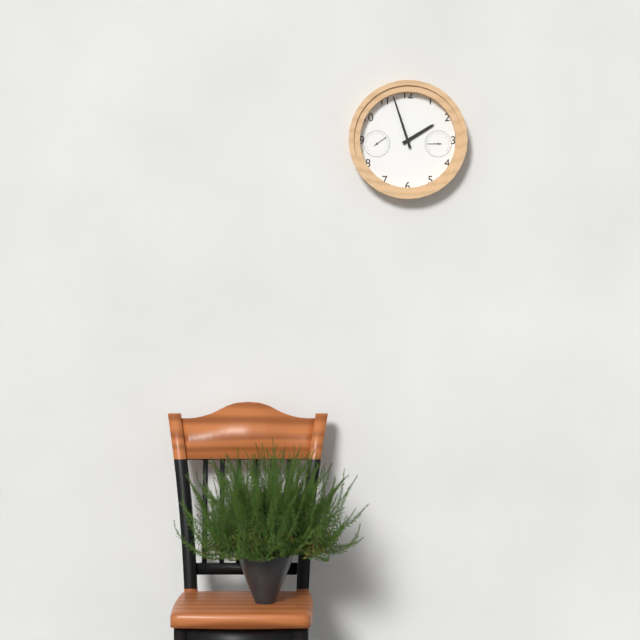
1:57
